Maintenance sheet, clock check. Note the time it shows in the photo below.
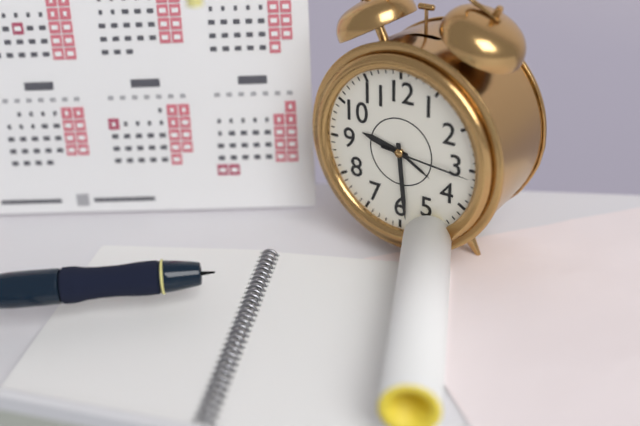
9:29:16
